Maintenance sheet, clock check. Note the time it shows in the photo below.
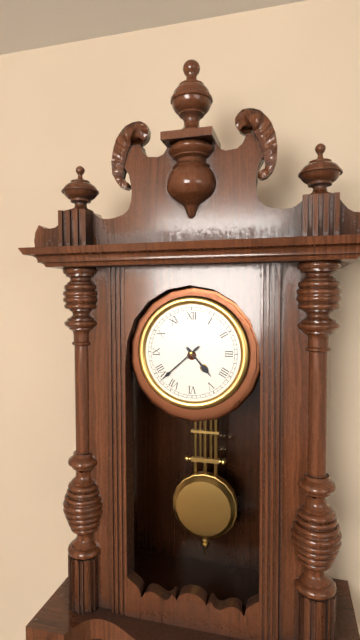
4:38
